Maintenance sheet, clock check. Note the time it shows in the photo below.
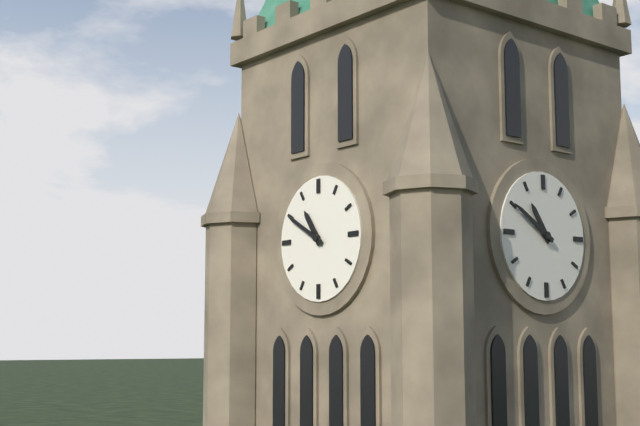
10:50
